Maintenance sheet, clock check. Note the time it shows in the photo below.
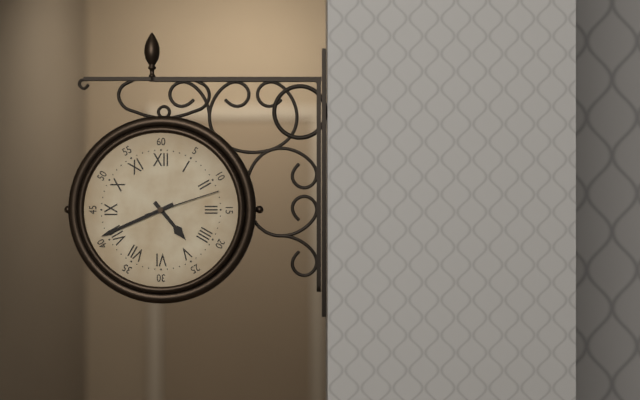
4:41:12
